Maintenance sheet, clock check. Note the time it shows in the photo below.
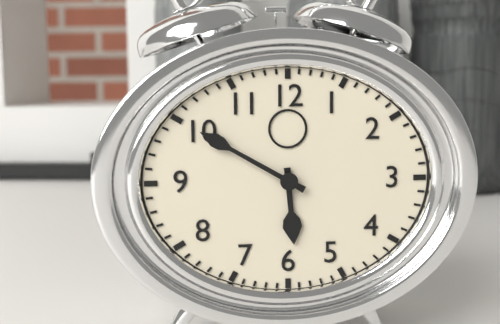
5:50
